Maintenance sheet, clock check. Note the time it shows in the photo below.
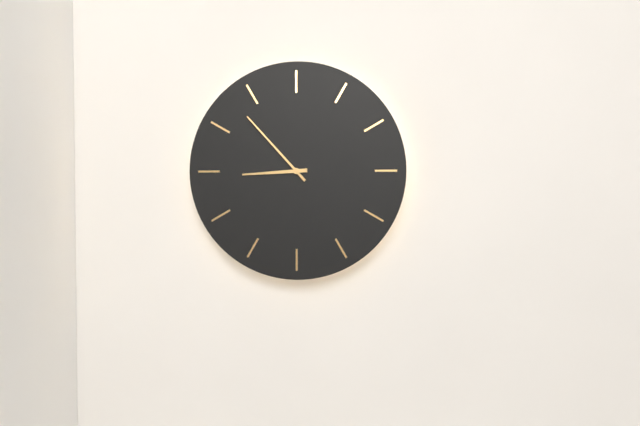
8:53
